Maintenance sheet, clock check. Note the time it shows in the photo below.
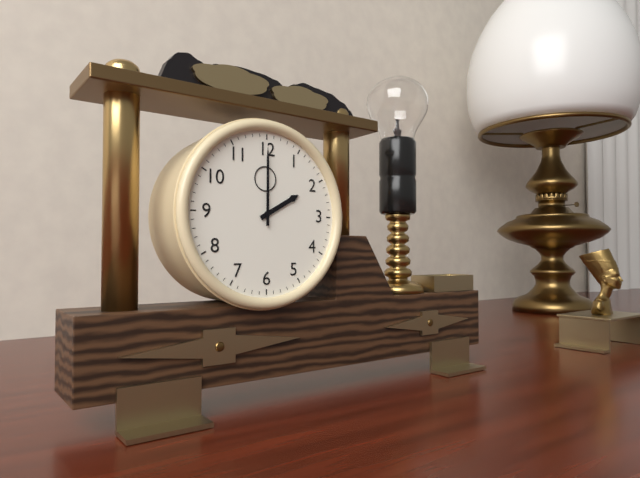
2:00
